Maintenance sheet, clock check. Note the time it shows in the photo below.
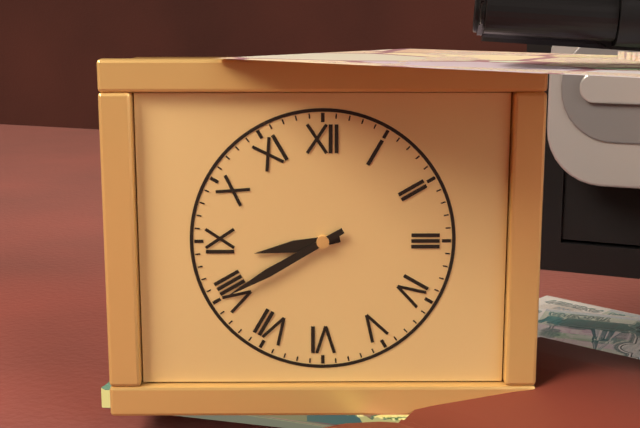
8:40
